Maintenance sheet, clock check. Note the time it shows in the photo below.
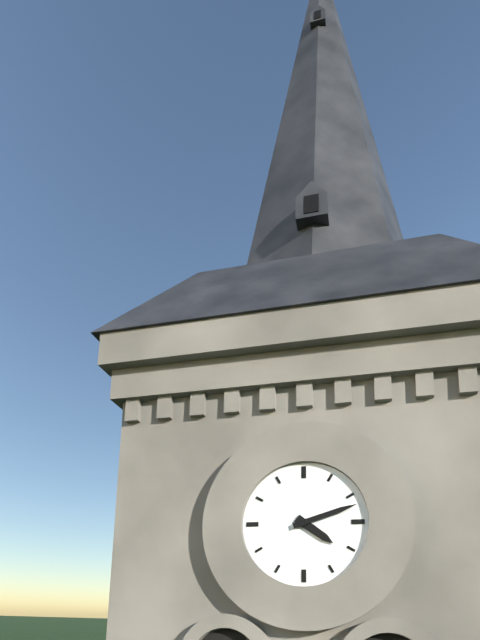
4:12
